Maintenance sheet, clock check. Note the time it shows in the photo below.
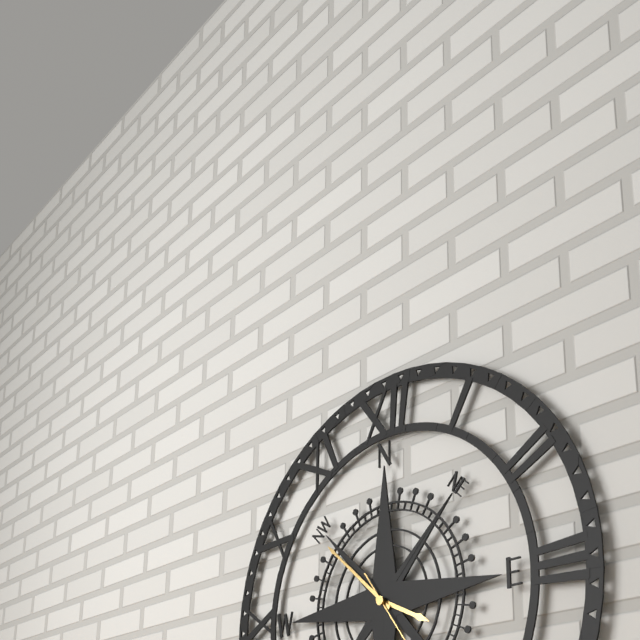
3:52
